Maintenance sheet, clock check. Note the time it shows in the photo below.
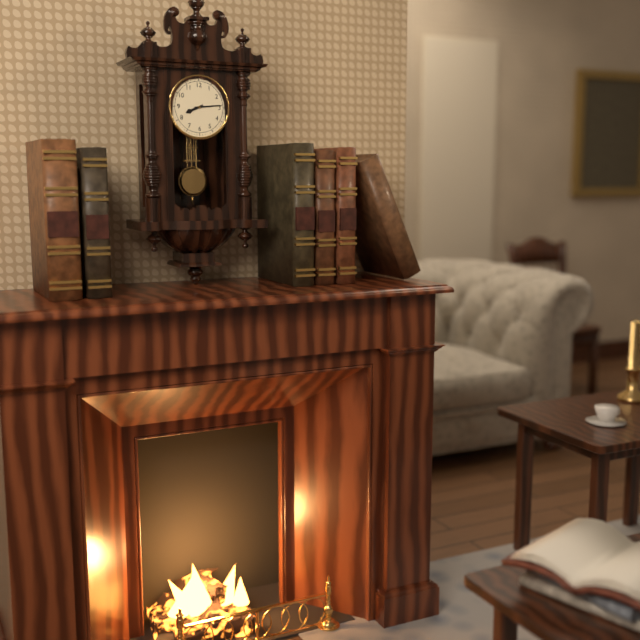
8:14
